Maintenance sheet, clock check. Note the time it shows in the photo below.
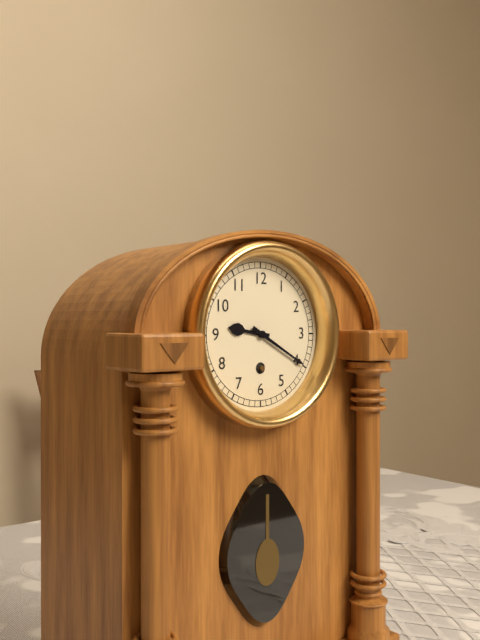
9:20
